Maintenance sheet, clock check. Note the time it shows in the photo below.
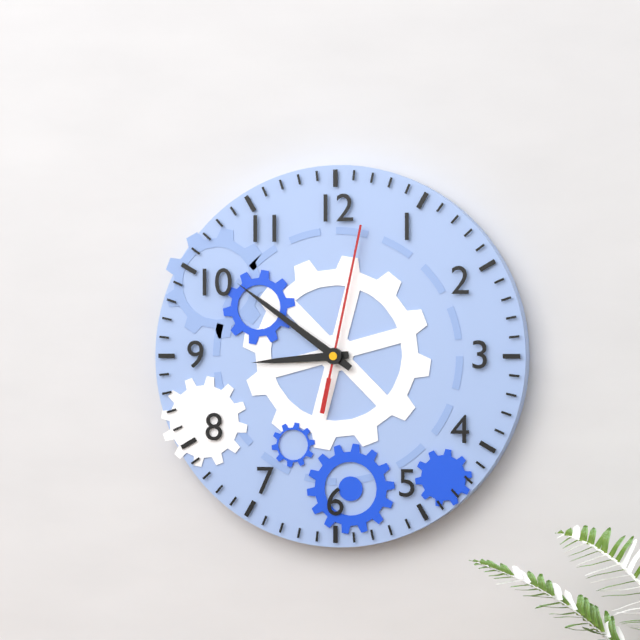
8:51:02
